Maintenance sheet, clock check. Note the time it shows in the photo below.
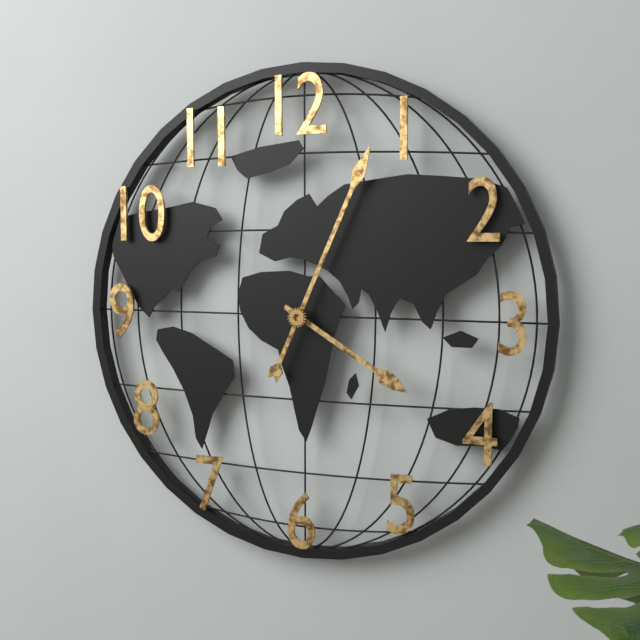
4:04
